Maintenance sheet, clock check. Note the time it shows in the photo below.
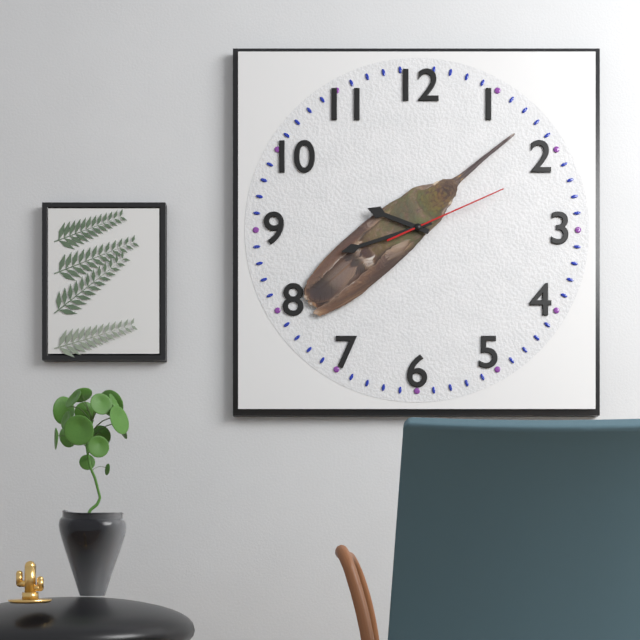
9:42:11
